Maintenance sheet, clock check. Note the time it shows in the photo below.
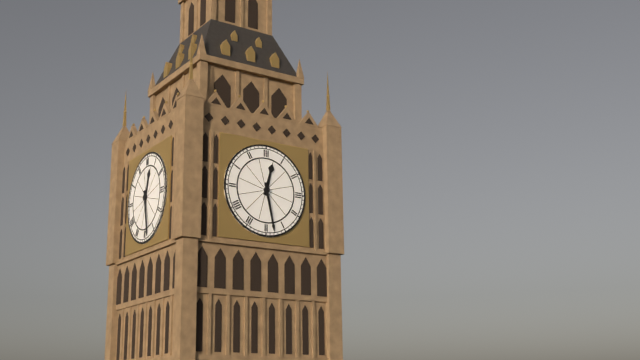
12:28
